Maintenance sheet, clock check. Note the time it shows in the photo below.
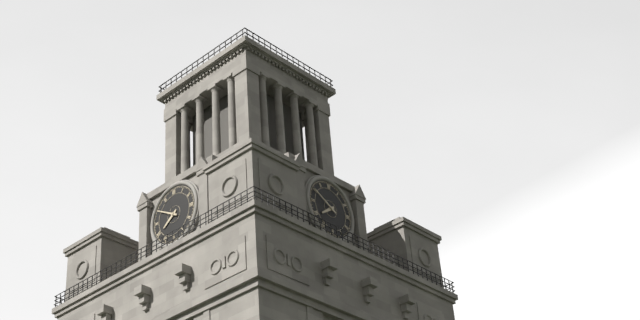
7:50
